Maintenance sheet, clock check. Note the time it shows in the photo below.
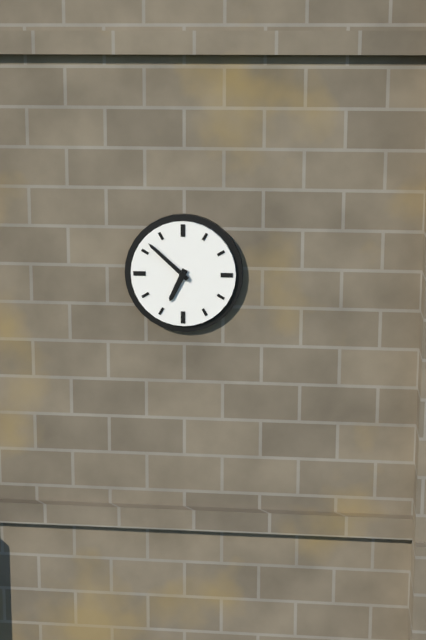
6:52
